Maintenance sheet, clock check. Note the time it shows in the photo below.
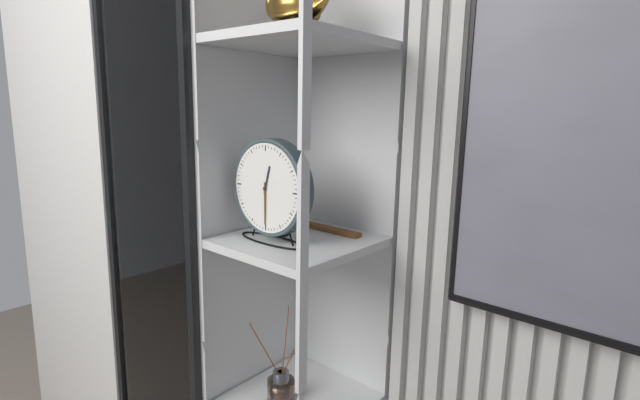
12:30
